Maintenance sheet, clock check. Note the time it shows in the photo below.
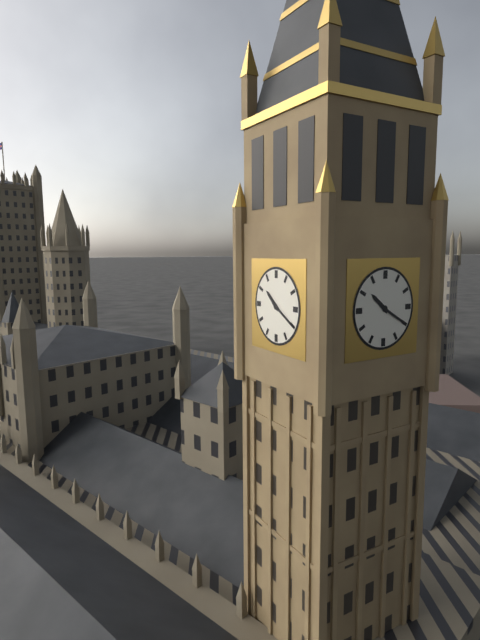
10:20
